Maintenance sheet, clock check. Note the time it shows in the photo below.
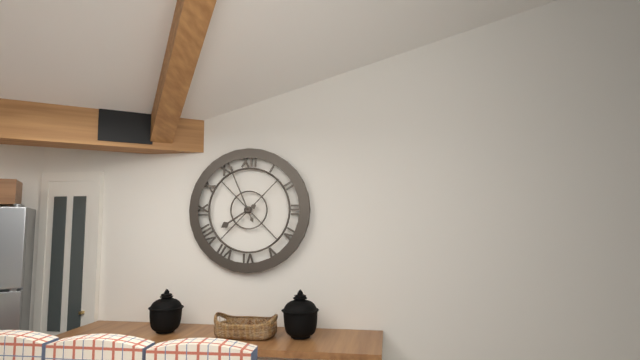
7:56
